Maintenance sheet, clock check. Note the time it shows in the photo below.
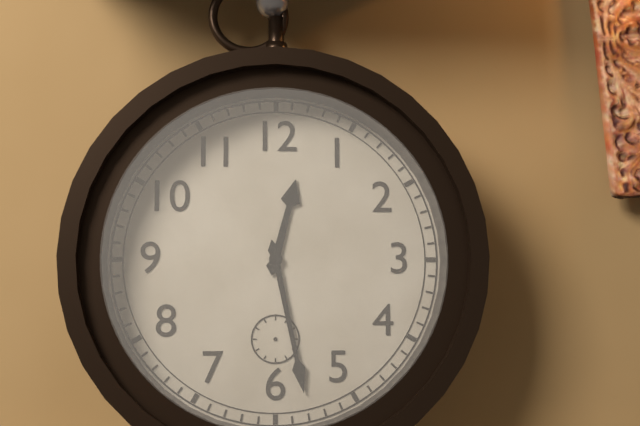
12:28
